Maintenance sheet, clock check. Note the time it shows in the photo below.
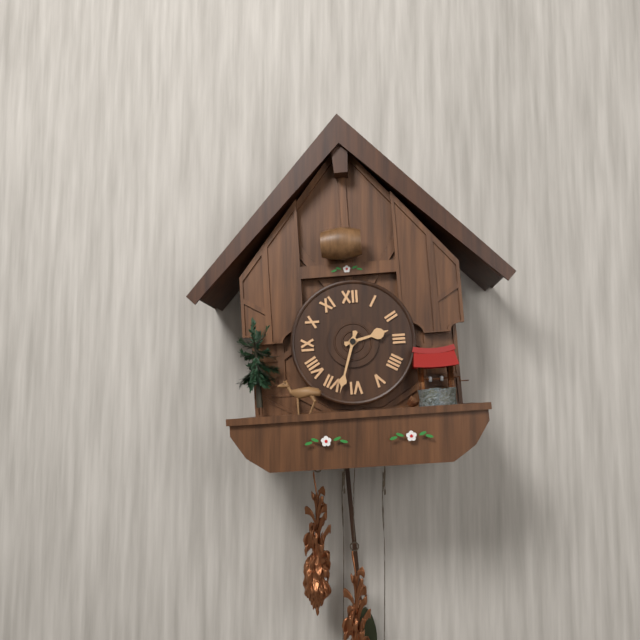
2:33
